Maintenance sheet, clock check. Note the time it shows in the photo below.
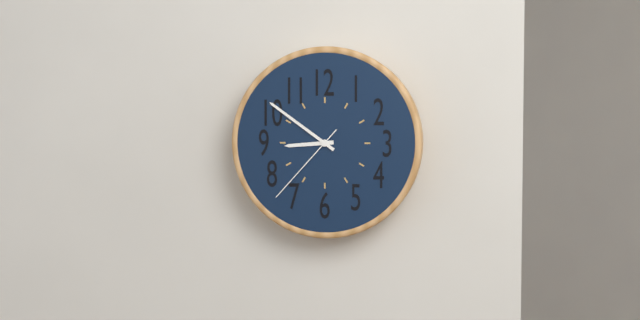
8:51:37
